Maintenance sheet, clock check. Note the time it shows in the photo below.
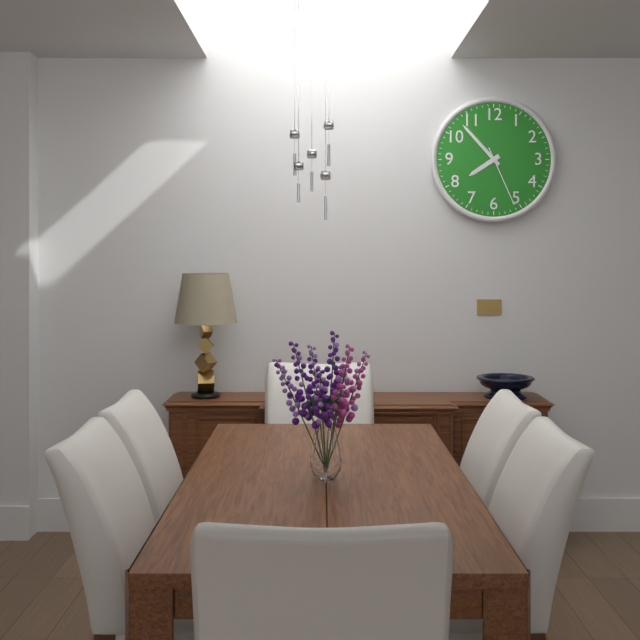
7:53:26
